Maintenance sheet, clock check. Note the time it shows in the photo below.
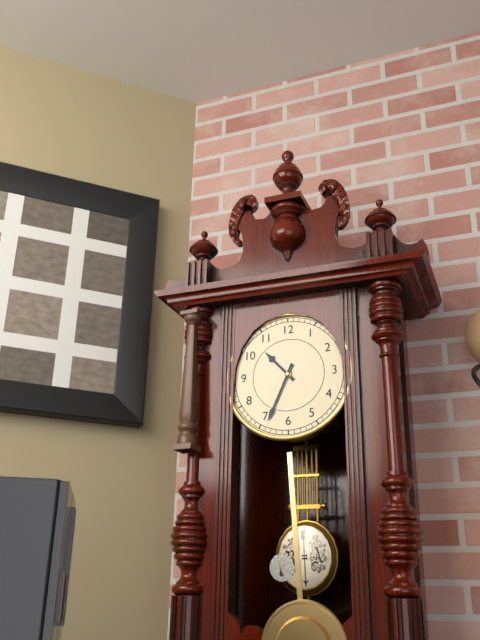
10:34
